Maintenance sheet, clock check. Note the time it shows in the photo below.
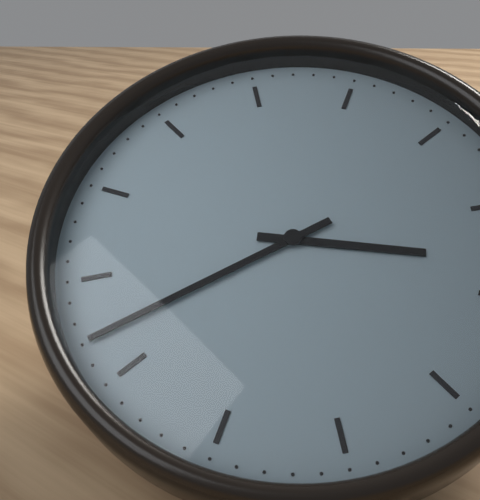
2:37
